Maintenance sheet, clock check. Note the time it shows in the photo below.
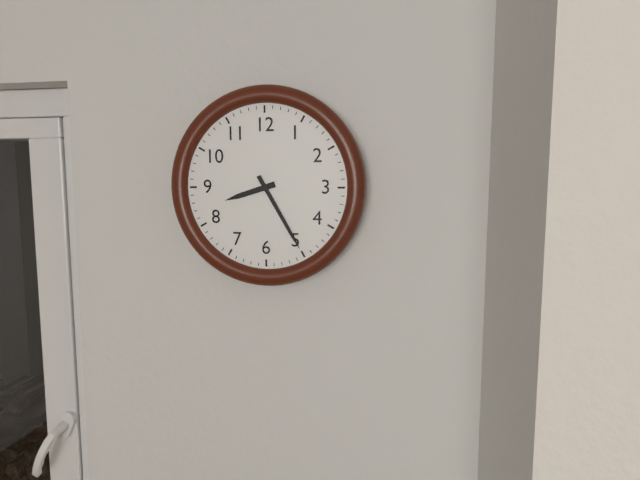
8:25
